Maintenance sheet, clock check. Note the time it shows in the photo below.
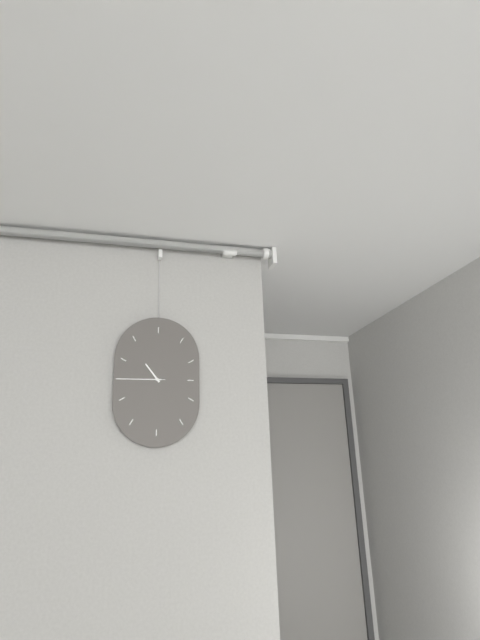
10:45
